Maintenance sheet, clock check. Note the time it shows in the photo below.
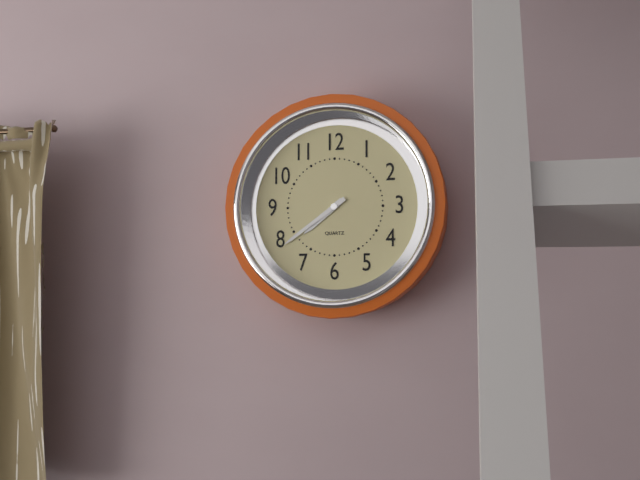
7:39
